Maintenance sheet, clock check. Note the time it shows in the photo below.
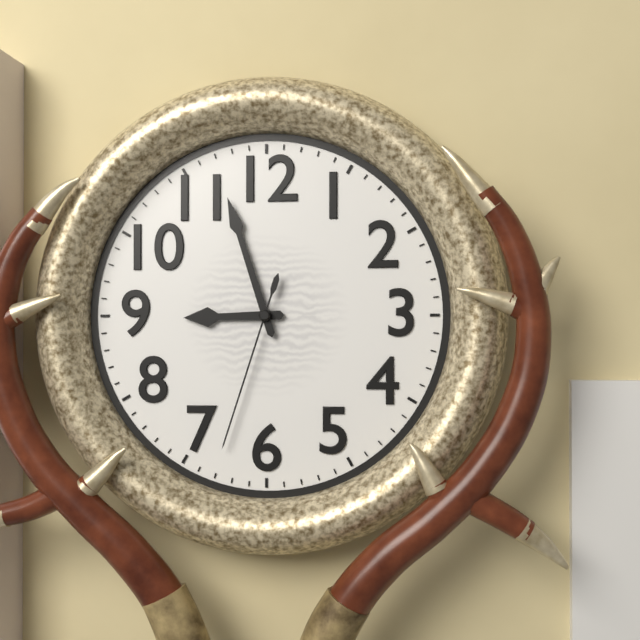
8:57:33
